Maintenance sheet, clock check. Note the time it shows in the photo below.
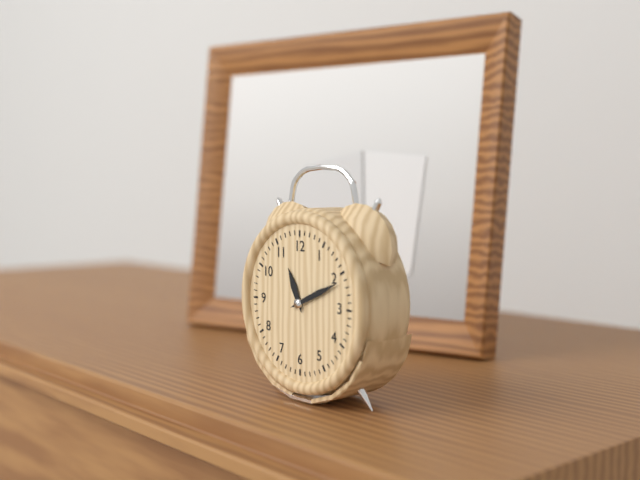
11:11
